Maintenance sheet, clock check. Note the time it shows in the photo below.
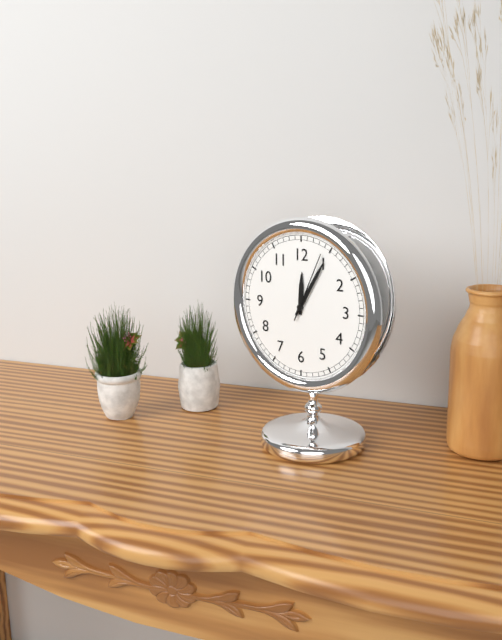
12:05:04
